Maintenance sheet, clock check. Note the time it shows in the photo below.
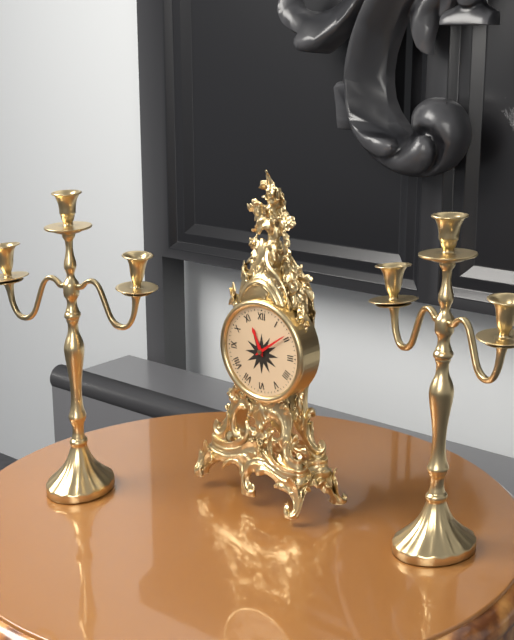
11:09
